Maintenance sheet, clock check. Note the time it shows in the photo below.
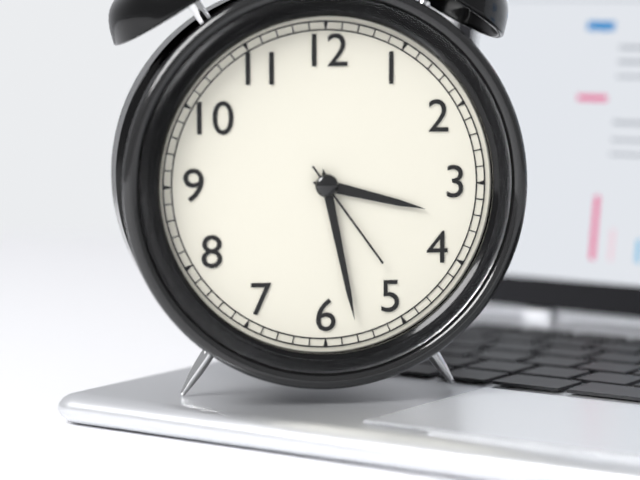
3:28:24
